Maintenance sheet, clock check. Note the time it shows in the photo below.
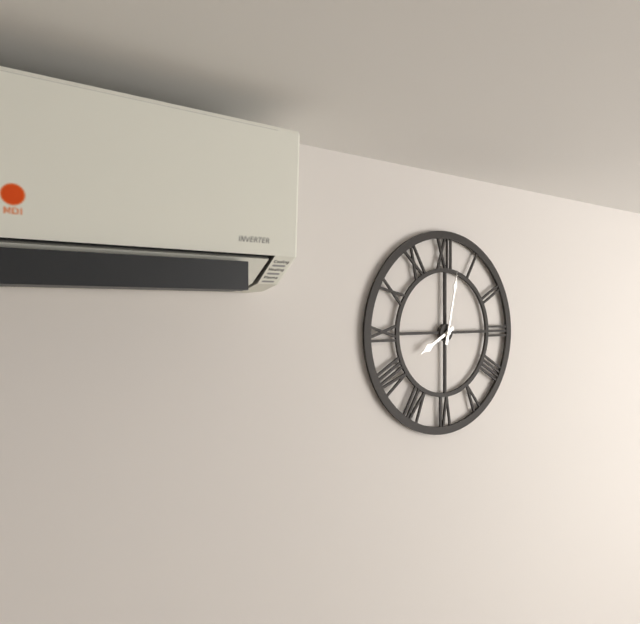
8:02
